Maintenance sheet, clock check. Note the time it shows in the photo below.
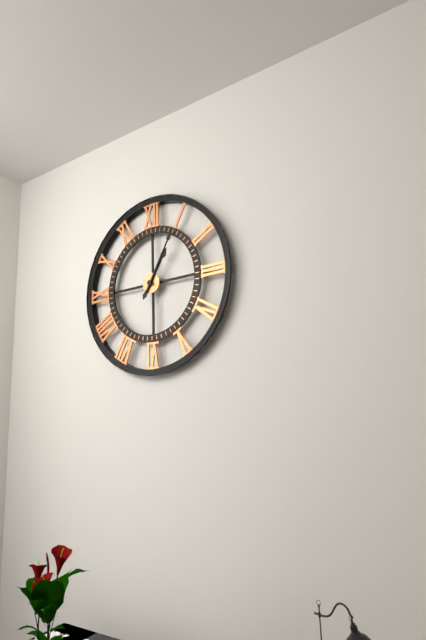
1:05
